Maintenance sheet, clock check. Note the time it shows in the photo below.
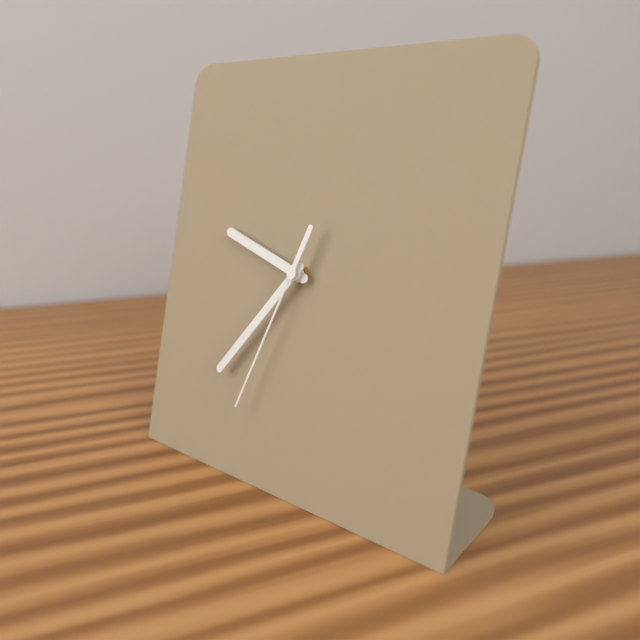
9:36:33
